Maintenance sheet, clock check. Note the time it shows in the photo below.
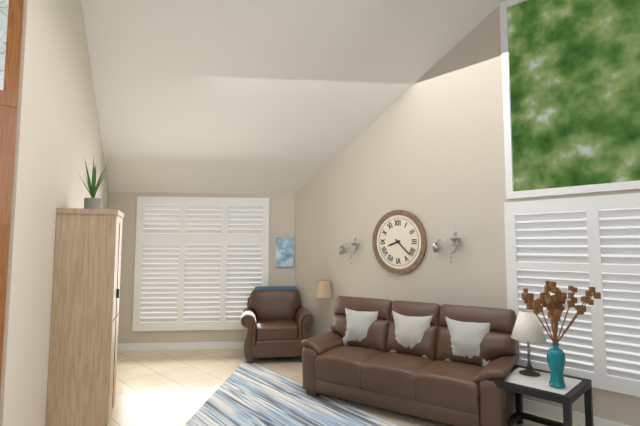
8:22
